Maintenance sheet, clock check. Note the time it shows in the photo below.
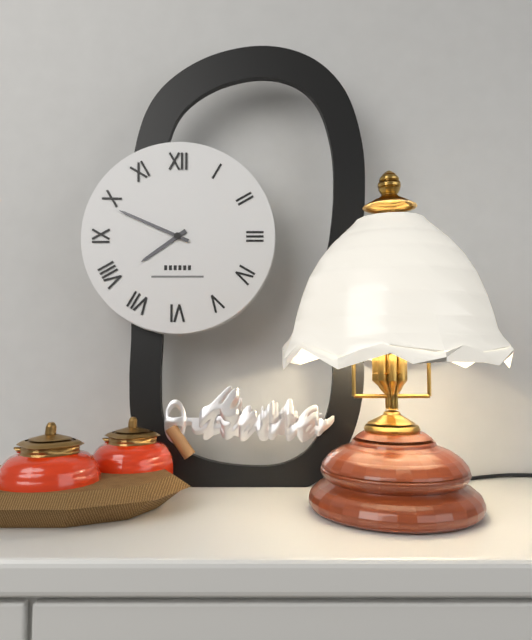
7:49
